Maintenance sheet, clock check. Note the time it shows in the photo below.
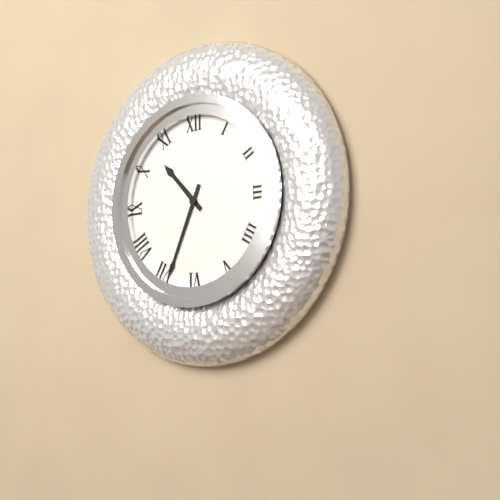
10:34
